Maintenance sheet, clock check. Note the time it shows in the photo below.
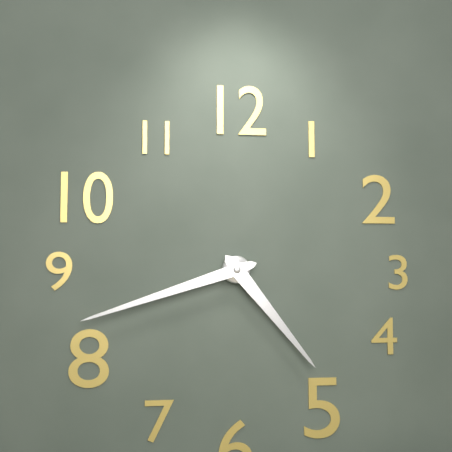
4:42
